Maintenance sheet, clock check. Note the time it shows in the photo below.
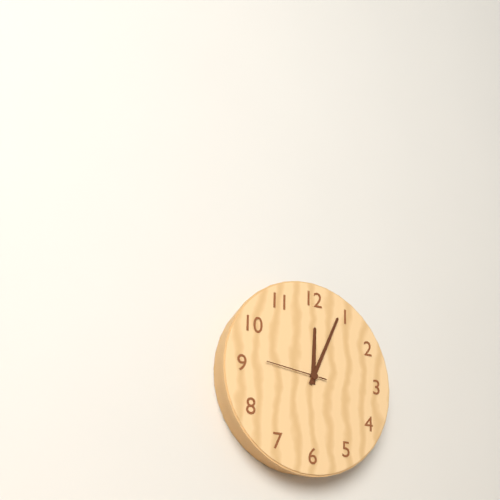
12:04:46
